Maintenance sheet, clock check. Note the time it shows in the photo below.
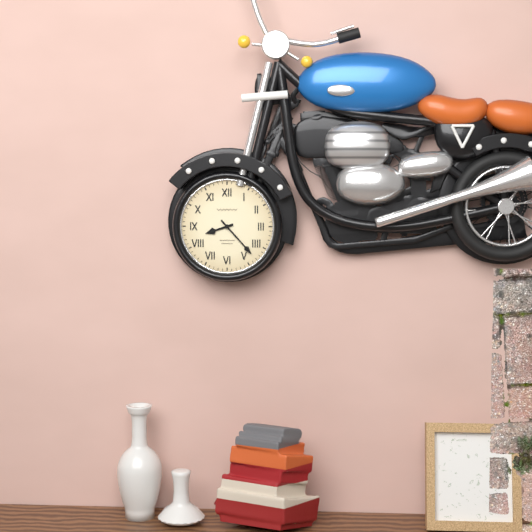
8:23
